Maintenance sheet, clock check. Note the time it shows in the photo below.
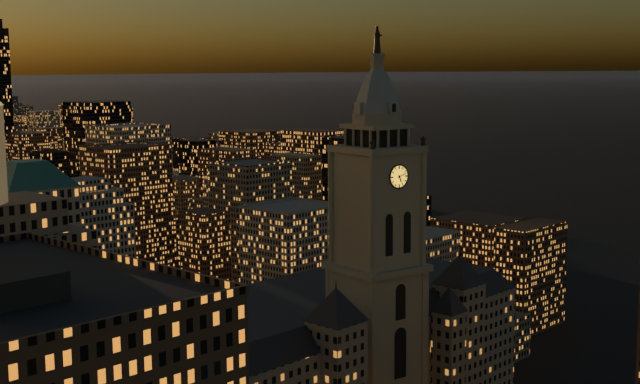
5:12
